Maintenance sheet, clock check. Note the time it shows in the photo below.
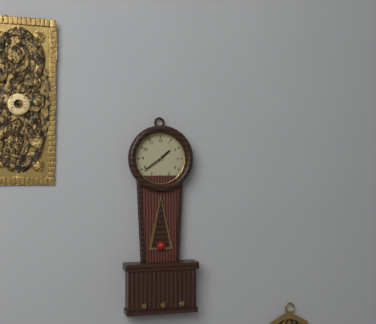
1:39
